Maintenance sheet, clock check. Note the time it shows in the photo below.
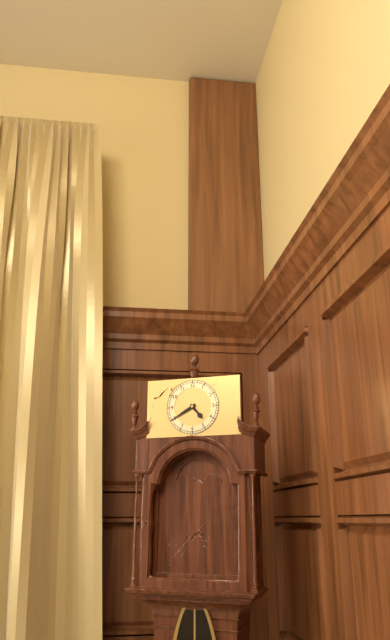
4:40
